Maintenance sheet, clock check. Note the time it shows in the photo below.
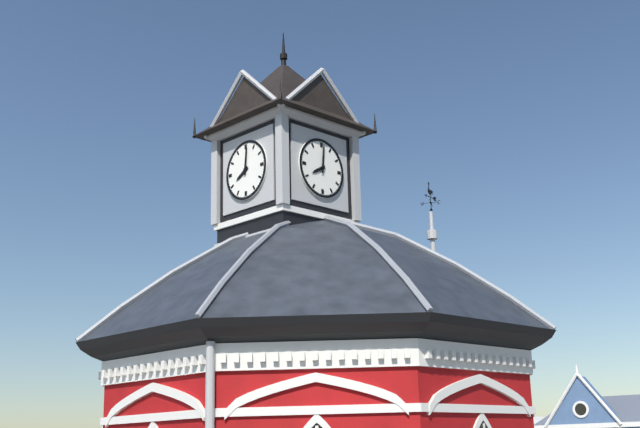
8:01
